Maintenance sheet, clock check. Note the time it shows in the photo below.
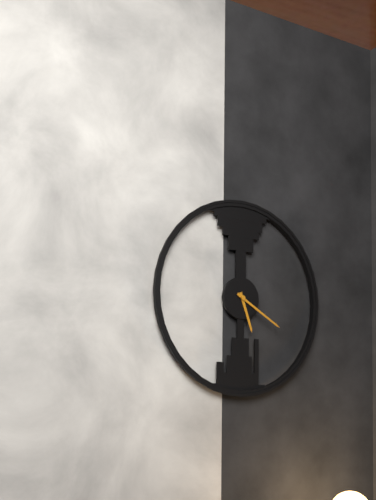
5:20
